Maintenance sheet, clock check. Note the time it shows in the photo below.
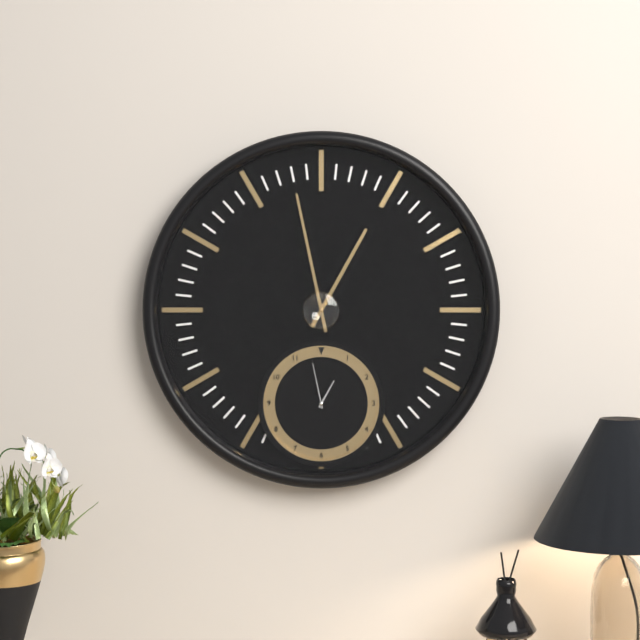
12:58
